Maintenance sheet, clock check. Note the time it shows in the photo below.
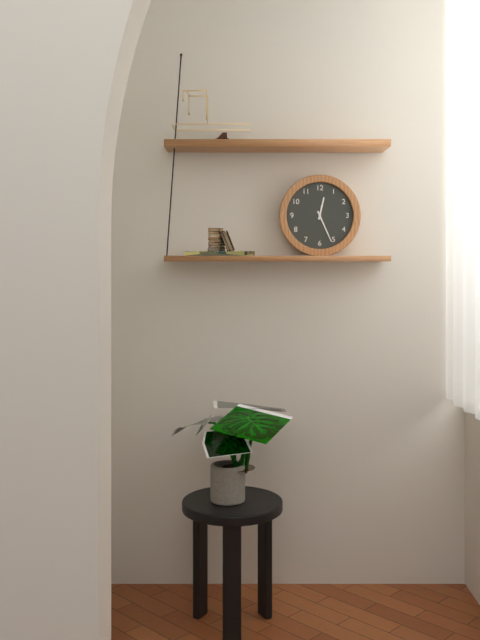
12:26
